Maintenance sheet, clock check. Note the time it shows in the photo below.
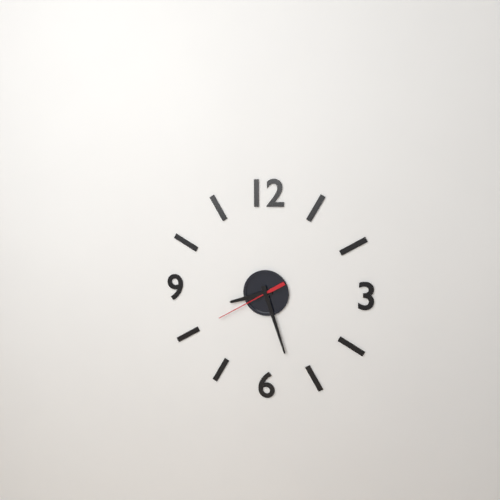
8:27:40
